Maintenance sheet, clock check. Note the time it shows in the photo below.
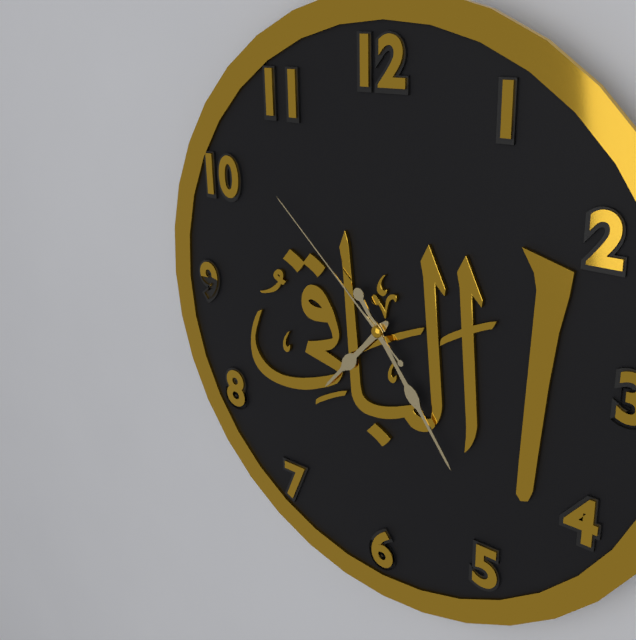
7:24:52
